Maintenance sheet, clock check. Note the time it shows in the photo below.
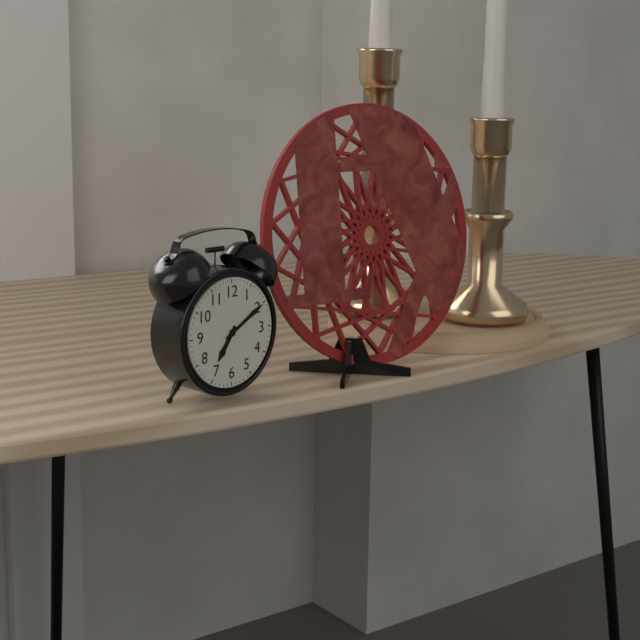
7:10
